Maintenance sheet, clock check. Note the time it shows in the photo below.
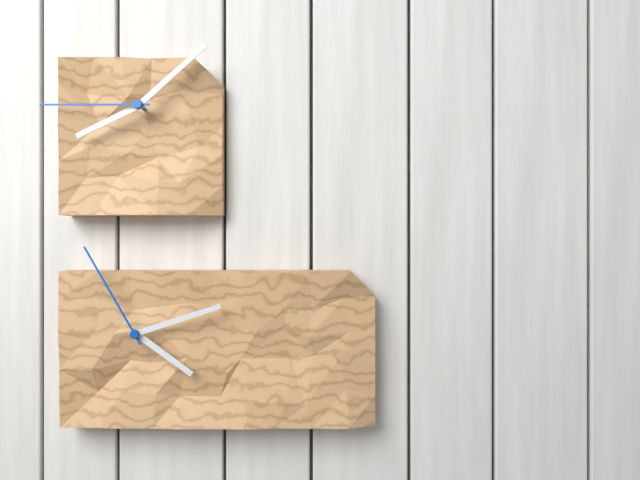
8:08:45
